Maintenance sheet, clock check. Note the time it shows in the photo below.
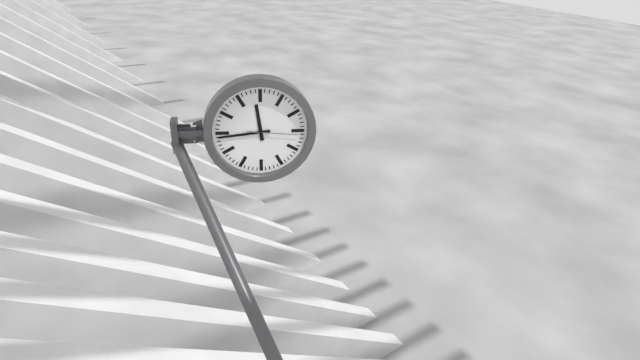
11:44
